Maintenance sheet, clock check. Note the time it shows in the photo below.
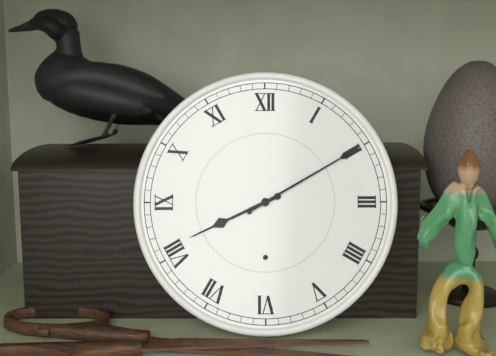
8:10
